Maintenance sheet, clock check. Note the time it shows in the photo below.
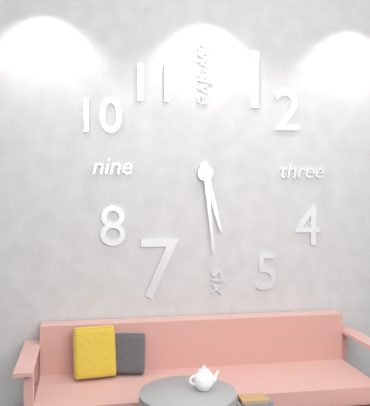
5:29
